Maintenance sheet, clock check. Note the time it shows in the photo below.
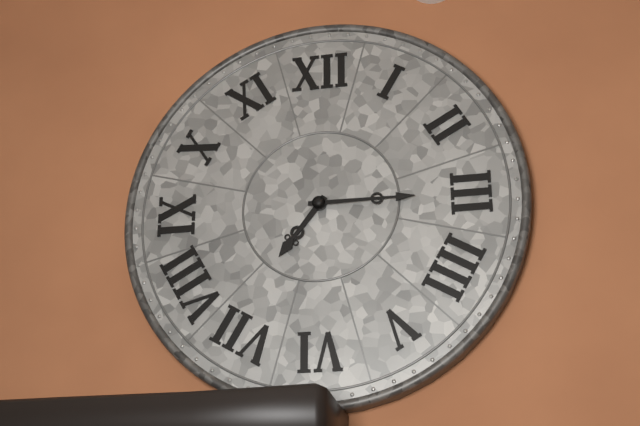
7:15
